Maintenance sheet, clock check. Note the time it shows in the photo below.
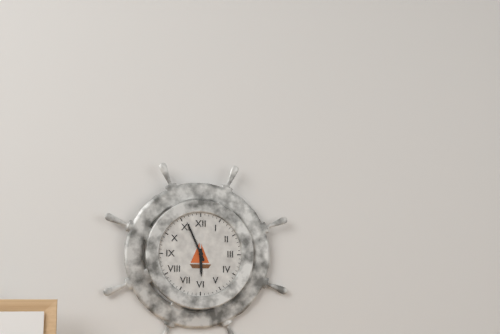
5:56
